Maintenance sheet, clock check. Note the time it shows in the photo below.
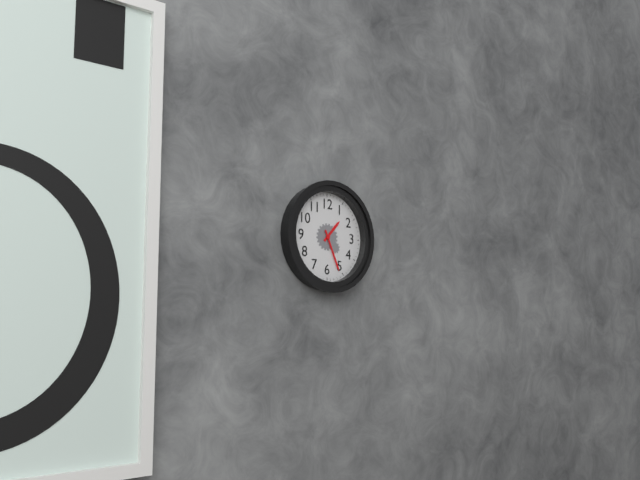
1:26
